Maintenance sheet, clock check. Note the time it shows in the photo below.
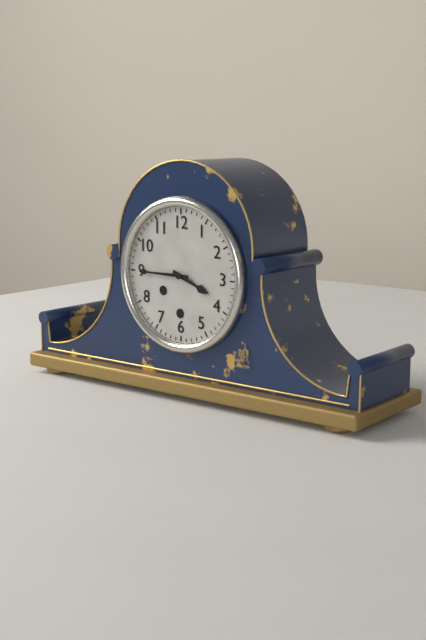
3:45
